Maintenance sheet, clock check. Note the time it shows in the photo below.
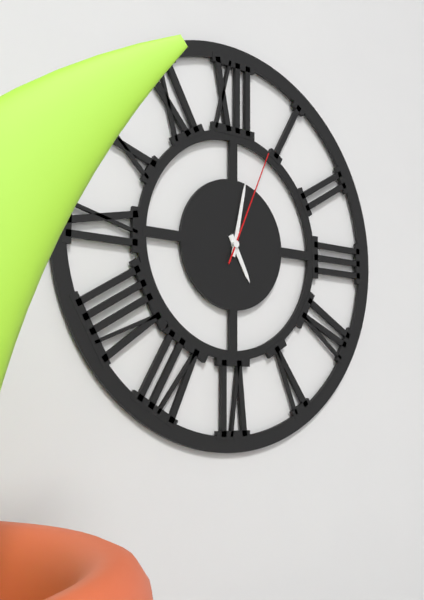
5:02:04
